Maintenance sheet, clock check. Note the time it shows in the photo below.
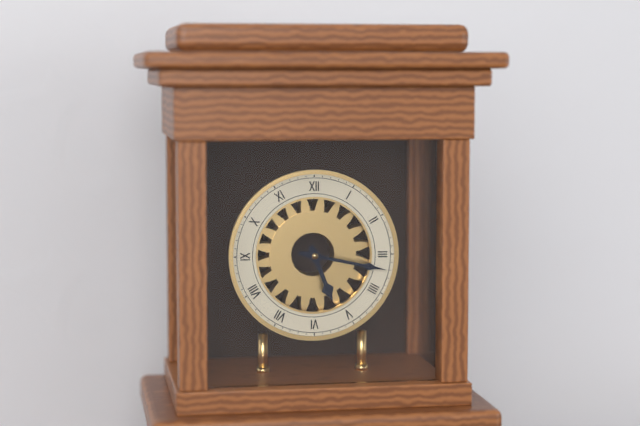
5:17
